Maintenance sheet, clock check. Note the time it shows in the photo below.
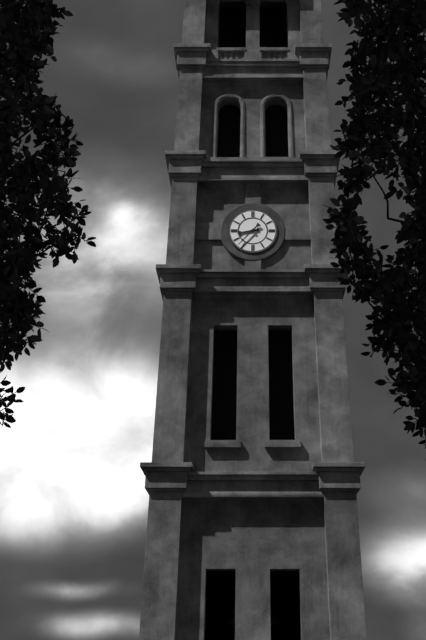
8:37
